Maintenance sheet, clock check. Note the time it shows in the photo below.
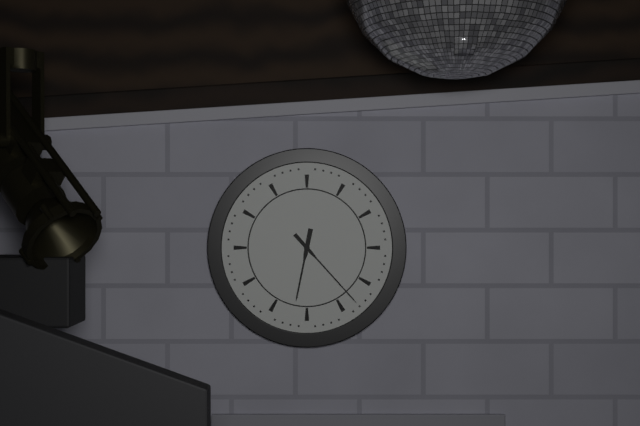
6:23
